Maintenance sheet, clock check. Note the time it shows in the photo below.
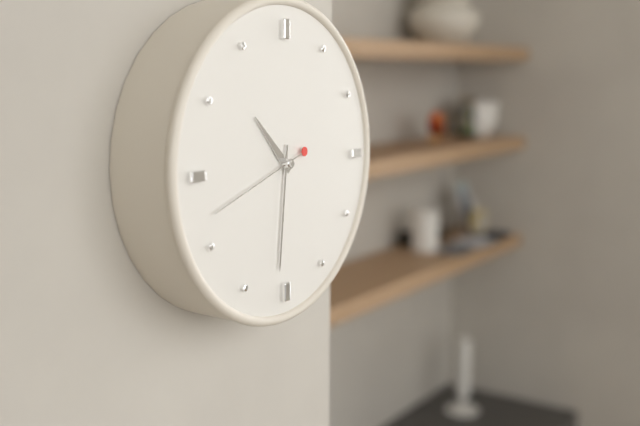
10:31:42
